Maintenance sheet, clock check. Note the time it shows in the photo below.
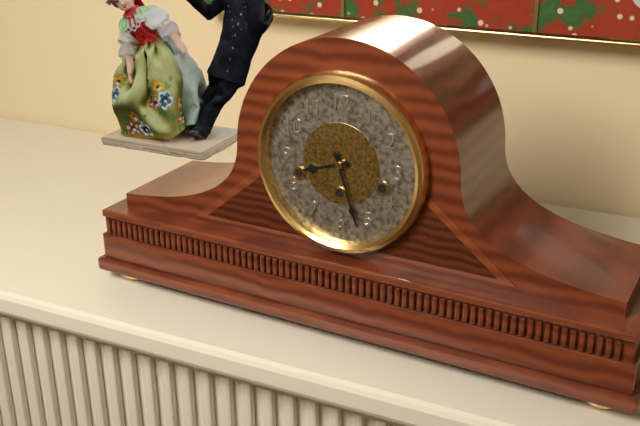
8:27
